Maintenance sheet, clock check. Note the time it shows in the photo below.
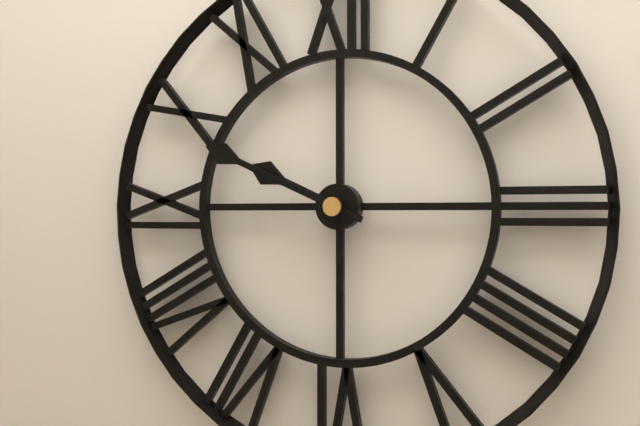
9:49
